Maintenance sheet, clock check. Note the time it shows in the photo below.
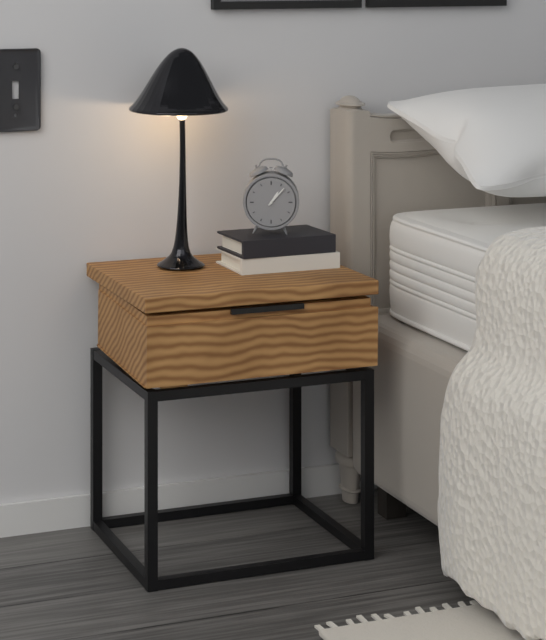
1:07
